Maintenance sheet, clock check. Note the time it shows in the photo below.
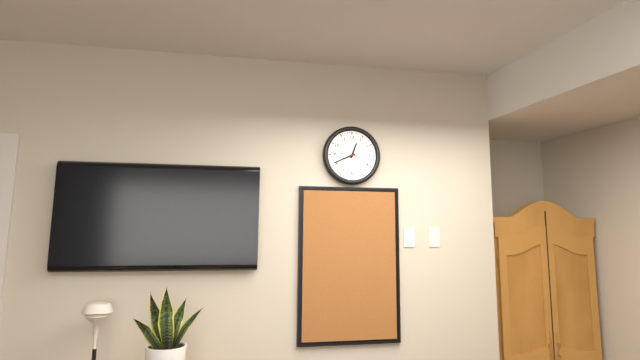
12:41
